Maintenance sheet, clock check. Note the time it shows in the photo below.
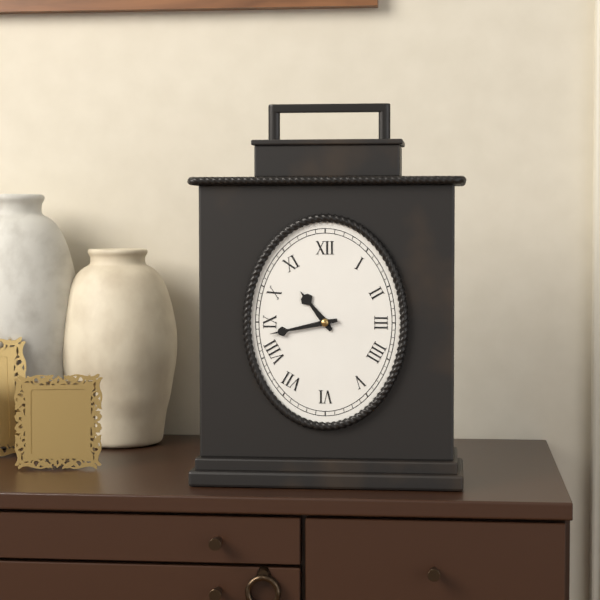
10:43
